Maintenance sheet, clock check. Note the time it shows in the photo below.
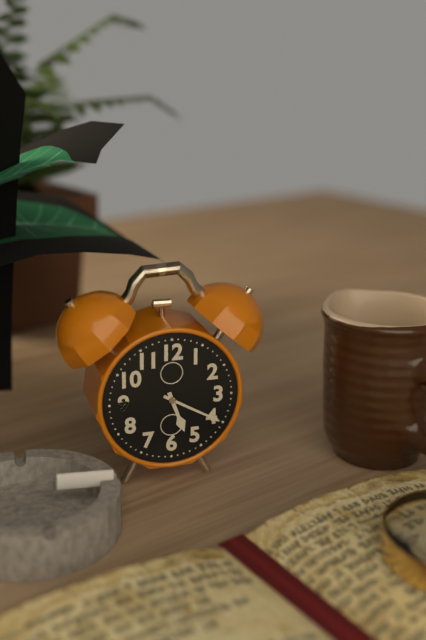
5:20
